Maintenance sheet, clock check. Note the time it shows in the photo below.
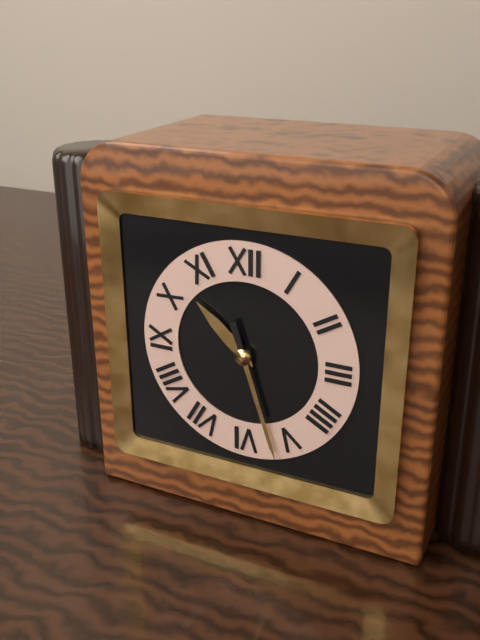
10:27
